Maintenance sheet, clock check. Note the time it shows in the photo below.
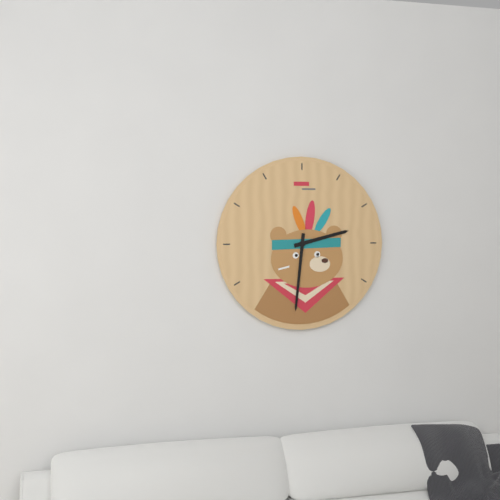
2:31
